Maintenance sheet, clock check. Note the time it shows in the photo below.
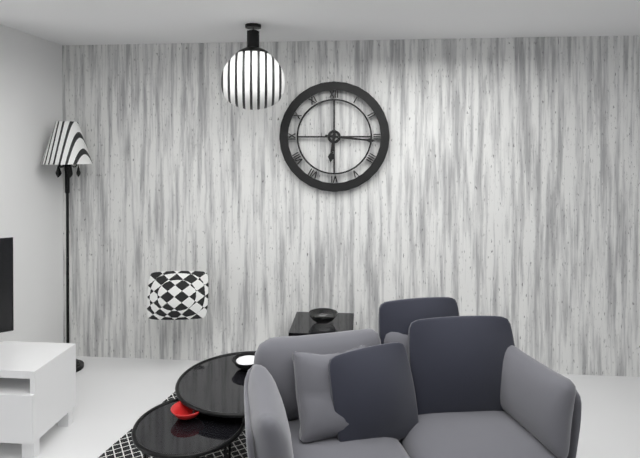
6:16
